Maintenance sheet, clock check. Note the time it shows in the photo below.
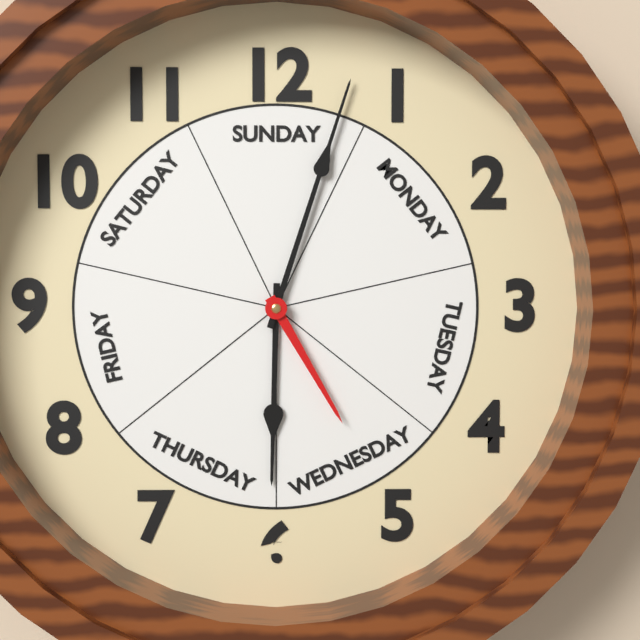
6:03:25
